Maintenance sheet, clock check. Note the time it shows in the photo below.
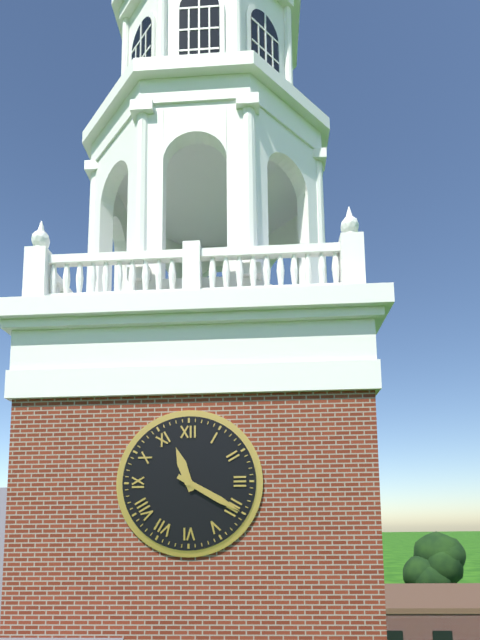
11:20
